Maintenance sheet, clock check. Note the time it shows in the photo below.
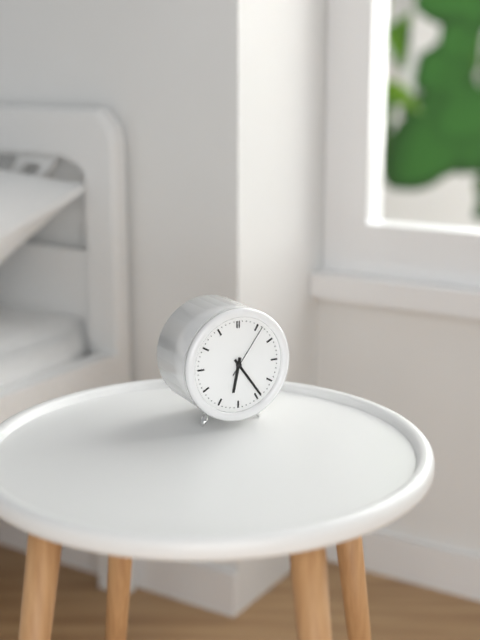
6:24:06
